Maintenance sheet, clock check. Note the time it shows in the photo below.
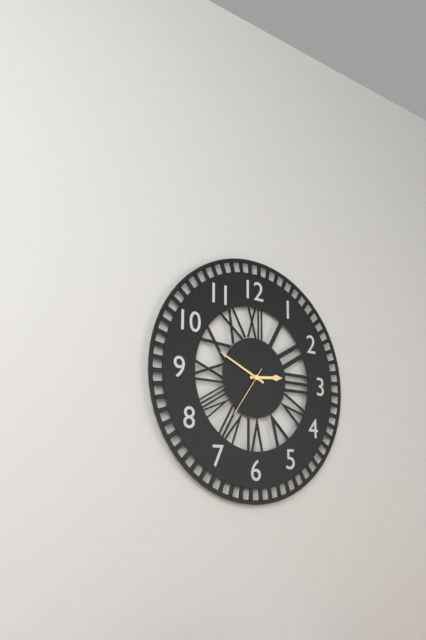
2:49
